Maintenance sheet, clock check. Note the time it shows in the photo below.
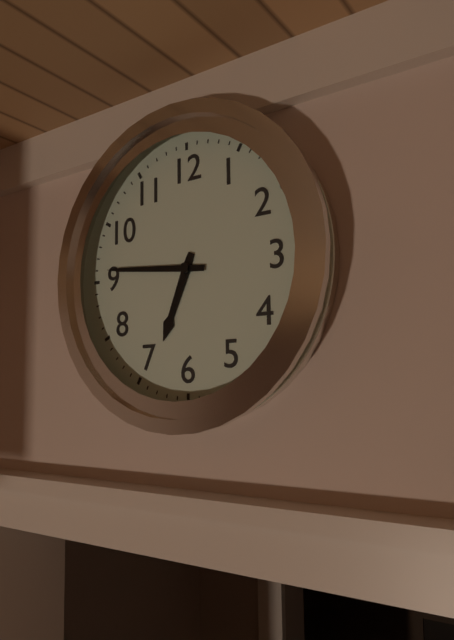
6:46
